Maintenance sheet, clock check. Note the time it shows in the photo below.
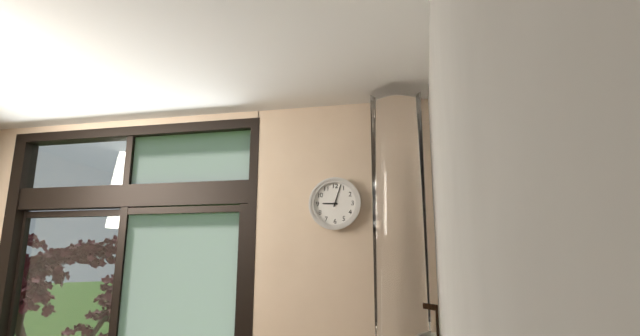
9:03
